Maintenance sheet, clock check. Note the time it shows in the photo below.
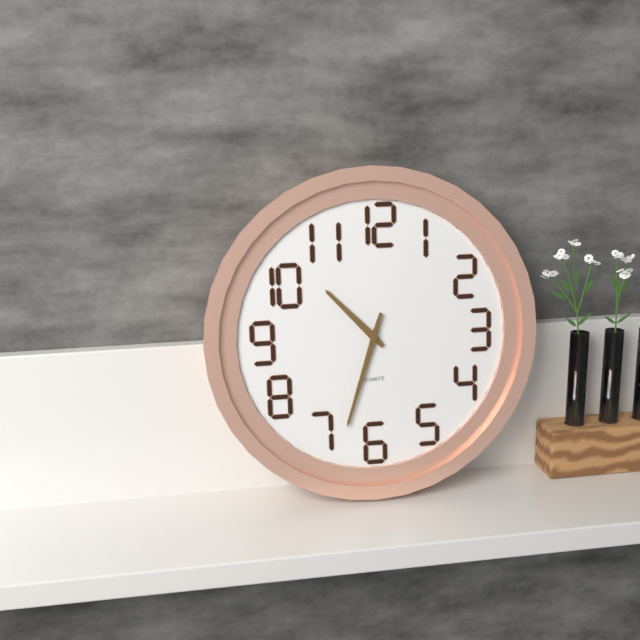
10:33
